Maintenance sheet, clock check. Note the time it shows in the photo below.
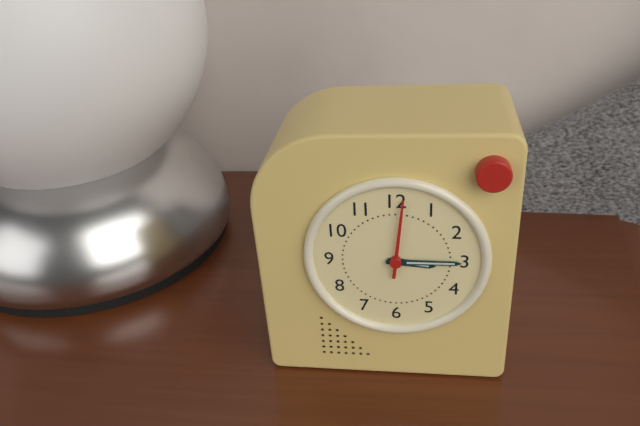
3:15:01
